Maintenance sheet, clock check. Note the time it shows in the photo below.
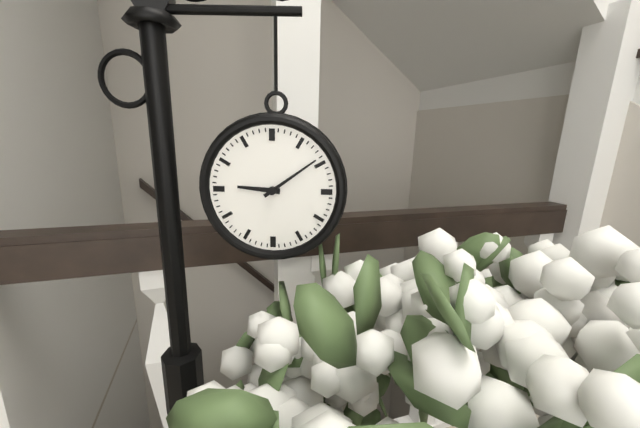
9:09
